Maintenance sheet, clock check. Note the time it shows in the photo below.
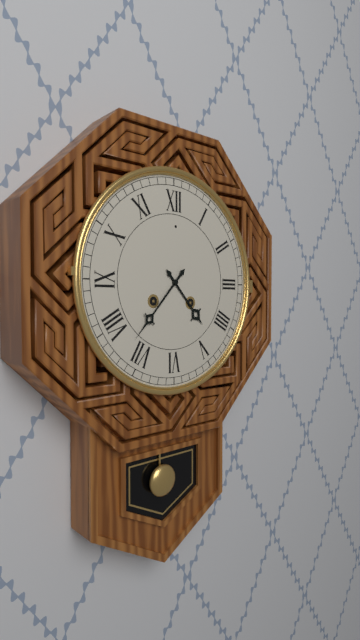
4:37
